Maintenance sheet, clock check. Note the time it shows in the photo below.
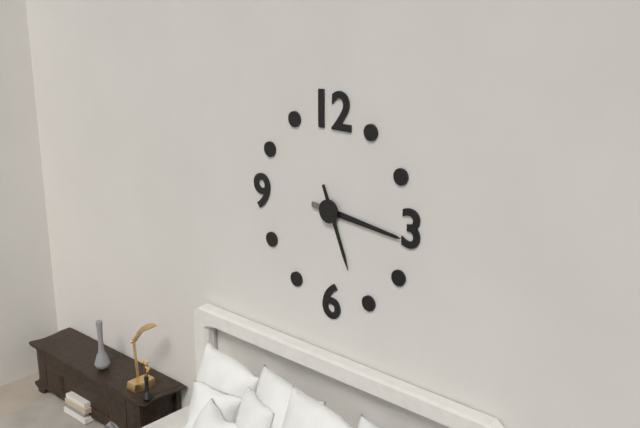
5:16
